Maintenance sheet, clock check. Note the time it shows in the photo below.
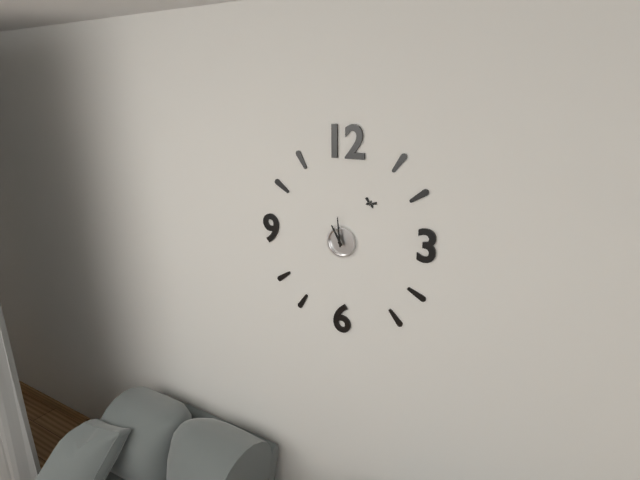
10:59
